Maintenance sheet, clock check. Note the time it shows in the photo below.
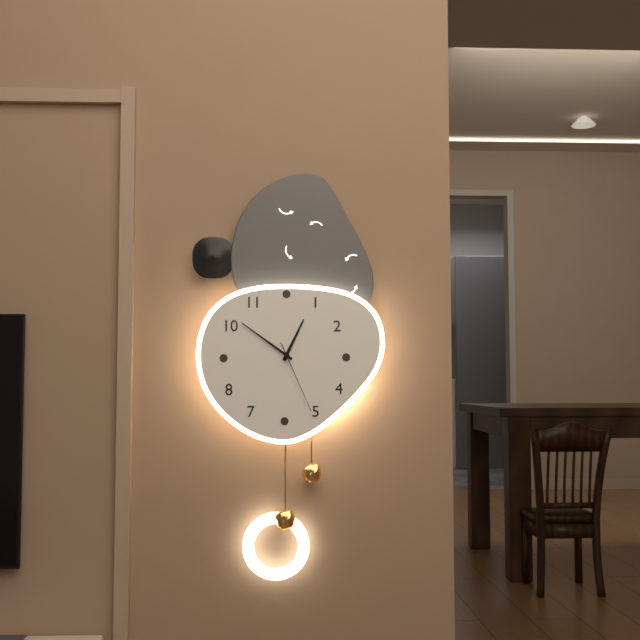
12:51:26
